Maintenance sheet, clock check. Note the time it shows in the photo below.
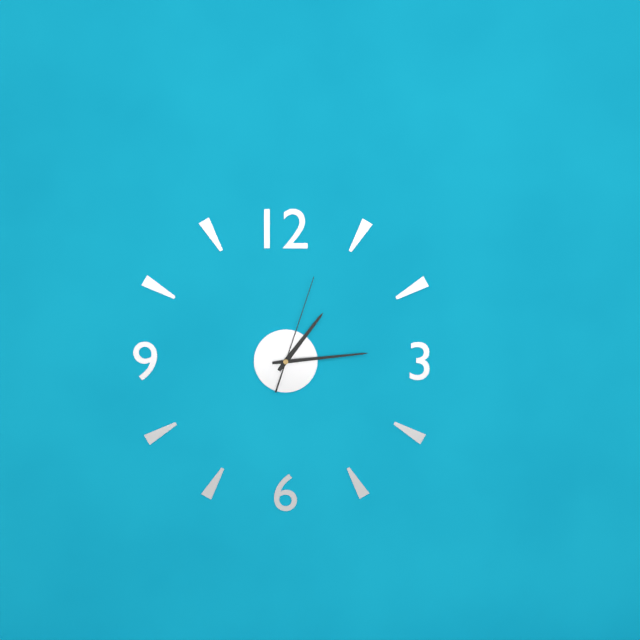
1:14:03
